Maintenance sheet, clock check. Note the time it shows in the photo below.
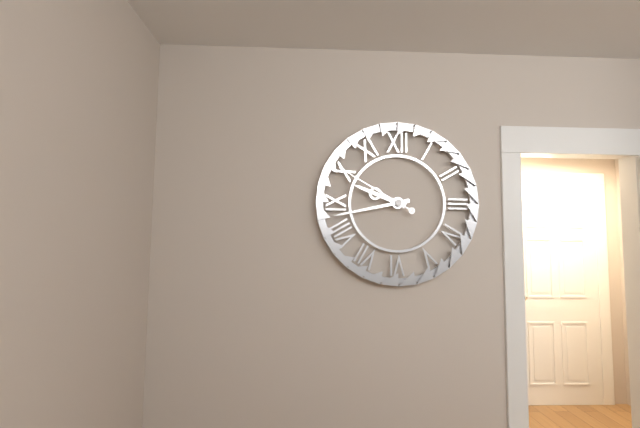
9:43:50
